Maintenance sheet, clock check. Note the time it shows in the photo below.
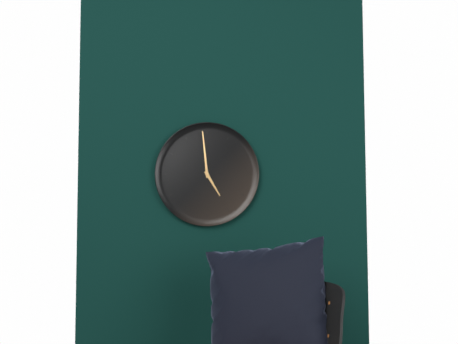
4:59
